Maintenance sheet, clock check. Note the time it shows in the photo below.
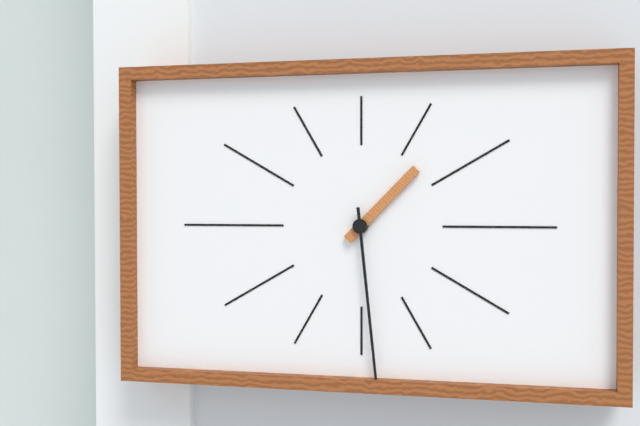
1:29
